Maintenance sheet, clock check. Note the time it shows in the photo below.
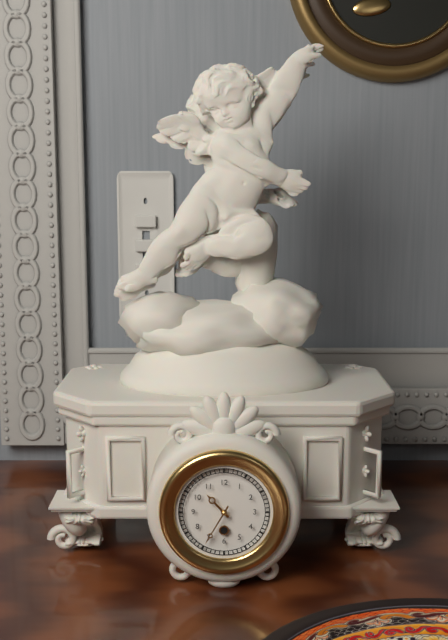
10:35
